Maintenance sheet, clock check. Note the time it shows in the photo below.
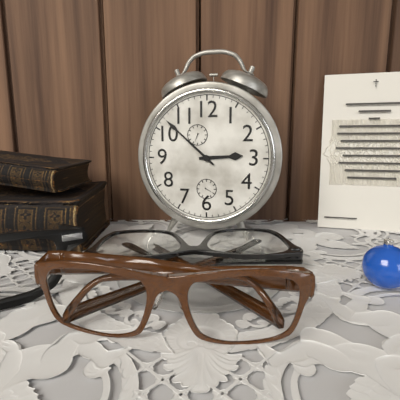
2:52
